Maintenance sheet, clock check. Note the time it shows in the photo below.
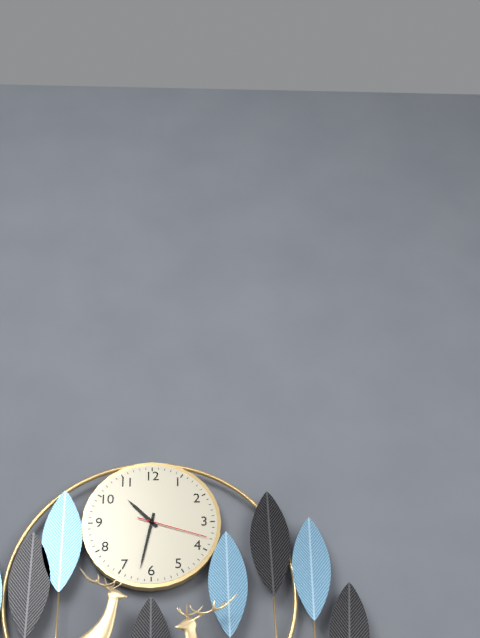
10:32:18
